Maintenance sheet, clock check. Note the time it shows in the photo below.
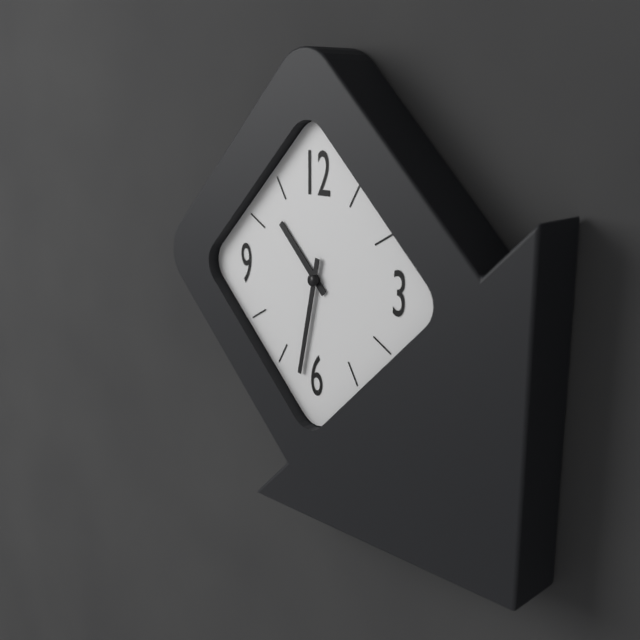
10:32
